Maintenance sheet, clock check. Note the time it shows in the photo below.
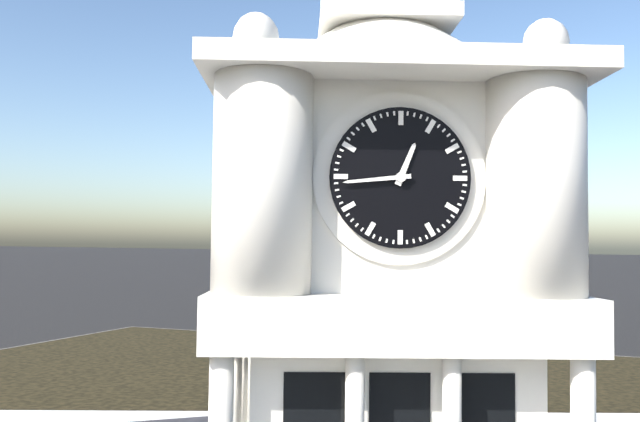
12:44
